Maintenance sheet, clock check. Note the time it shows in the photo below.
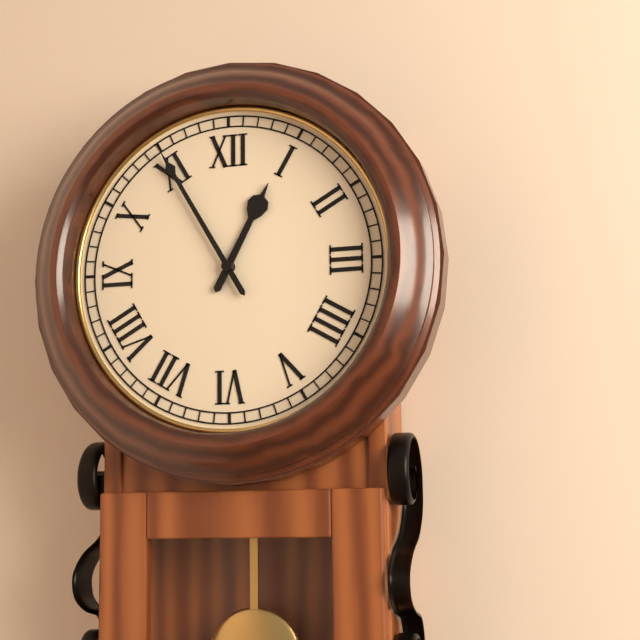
12:55
